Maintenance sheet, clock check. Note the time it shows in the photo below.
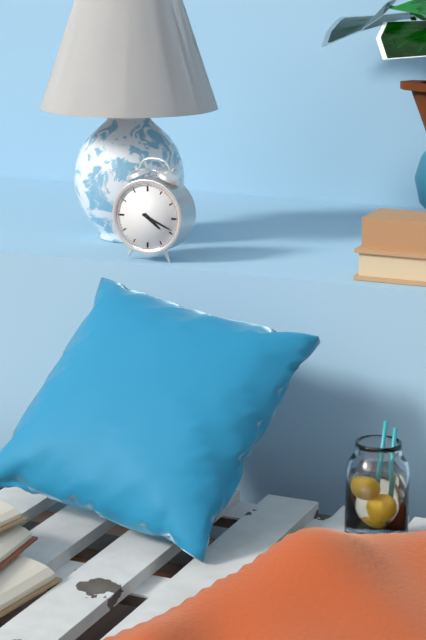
4:19
